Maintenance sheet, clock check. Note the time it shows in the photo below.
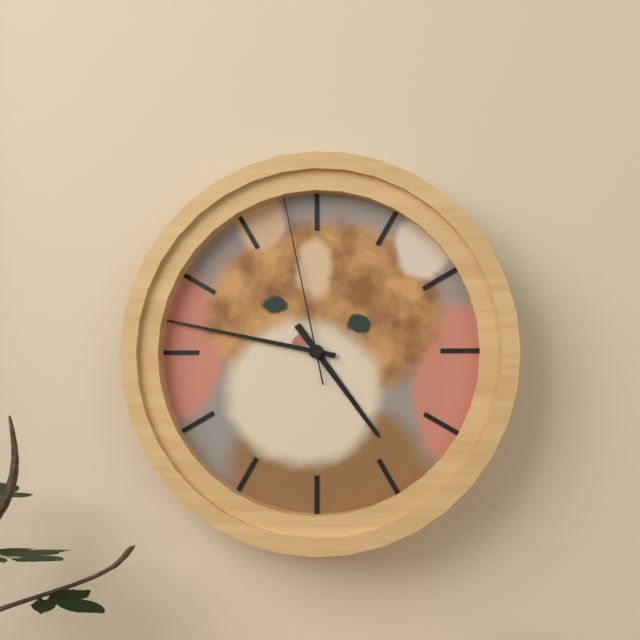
4:47:58
